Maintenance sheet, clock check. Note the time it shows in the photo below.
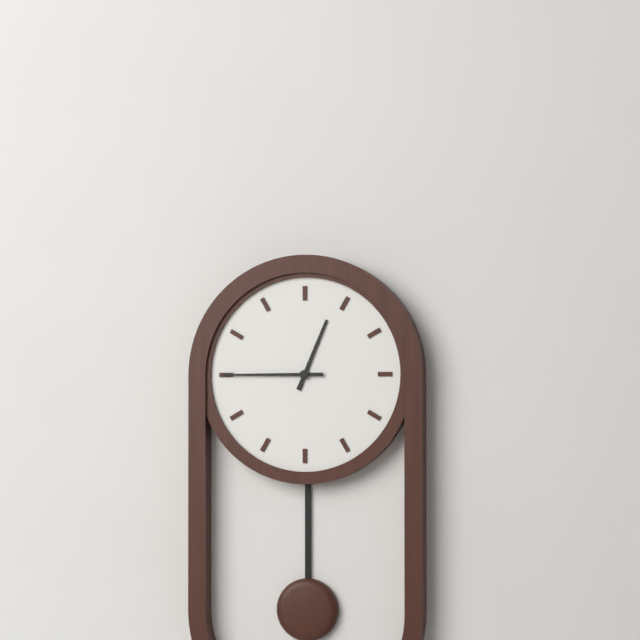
12:45
